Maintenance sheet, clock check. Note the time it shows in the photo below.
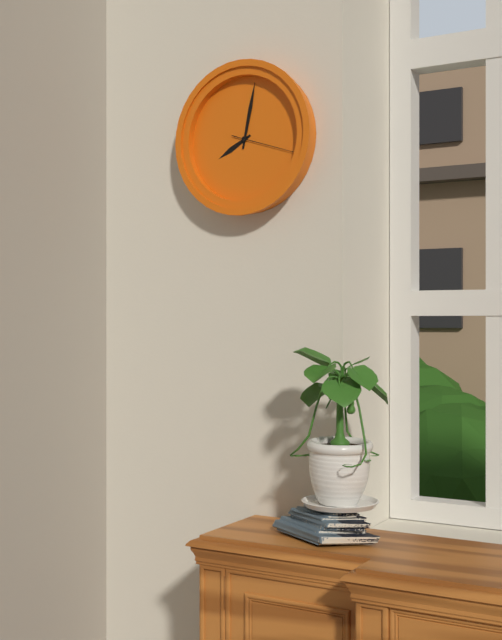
8:02:18
